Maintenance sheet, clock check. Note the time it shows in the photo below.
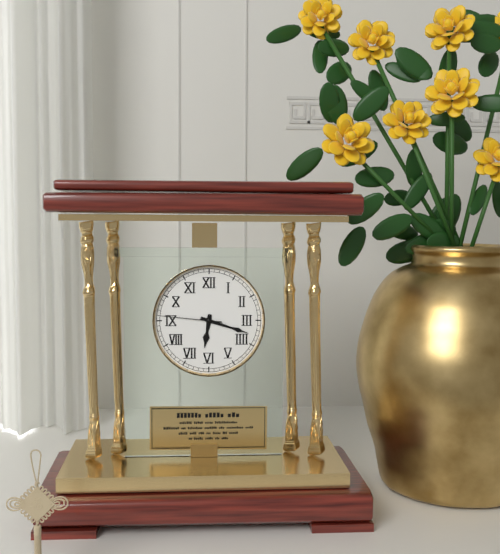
6:18:46
